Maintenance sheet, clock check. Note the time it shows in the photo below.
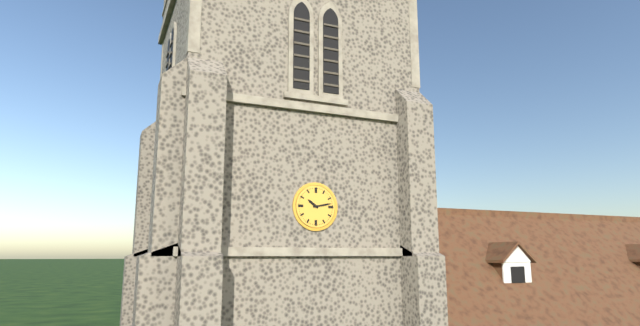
10:13
